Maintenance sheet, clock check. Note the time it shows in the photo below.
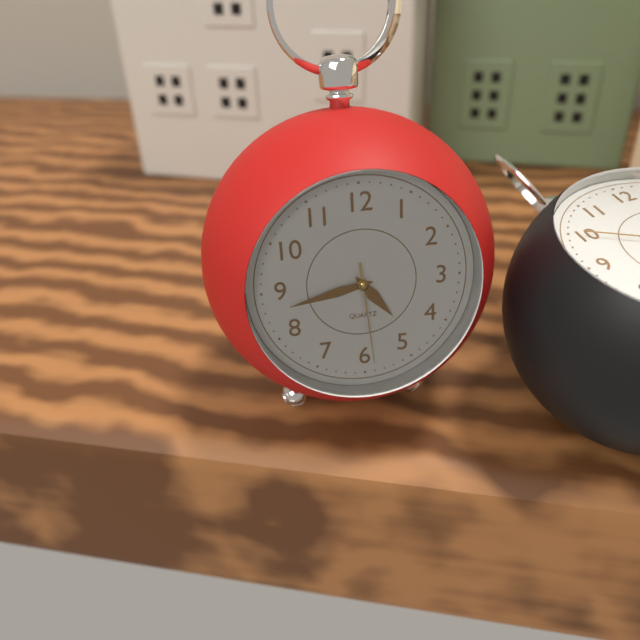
4:43:29
